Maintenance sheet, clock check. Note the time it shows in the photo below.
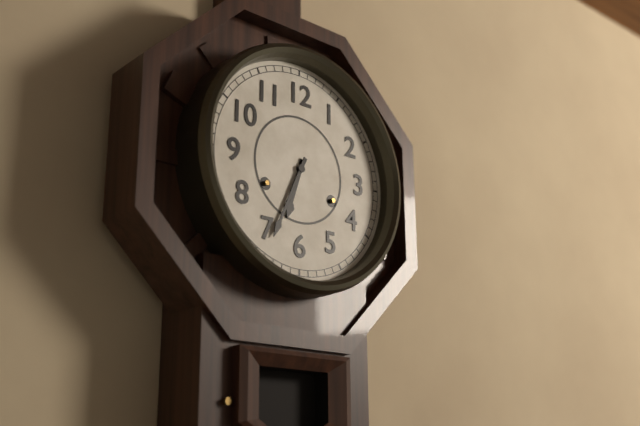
6:34
